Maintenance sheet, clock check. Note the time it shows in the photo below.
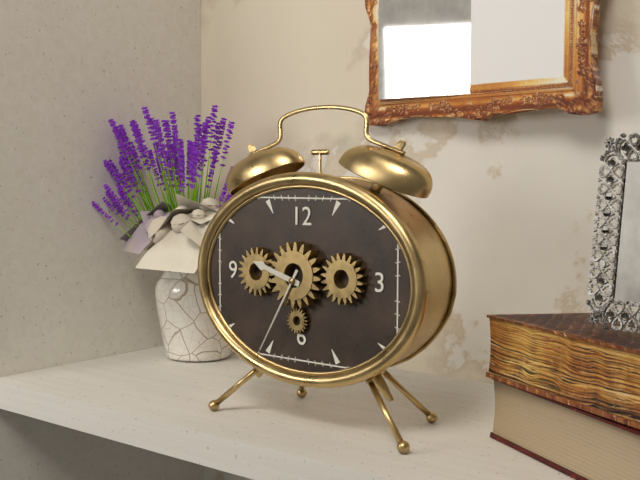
9:35
